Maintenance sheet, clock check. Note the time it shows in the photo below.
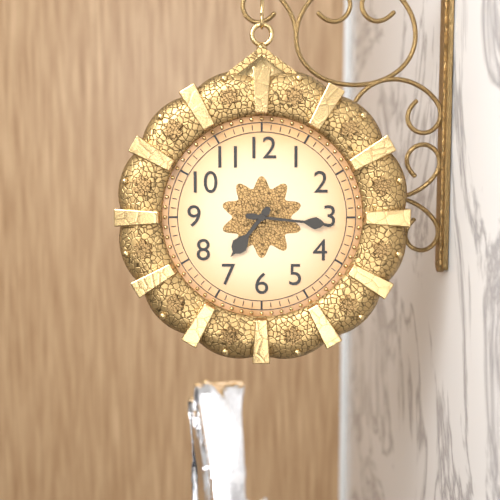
7:16
